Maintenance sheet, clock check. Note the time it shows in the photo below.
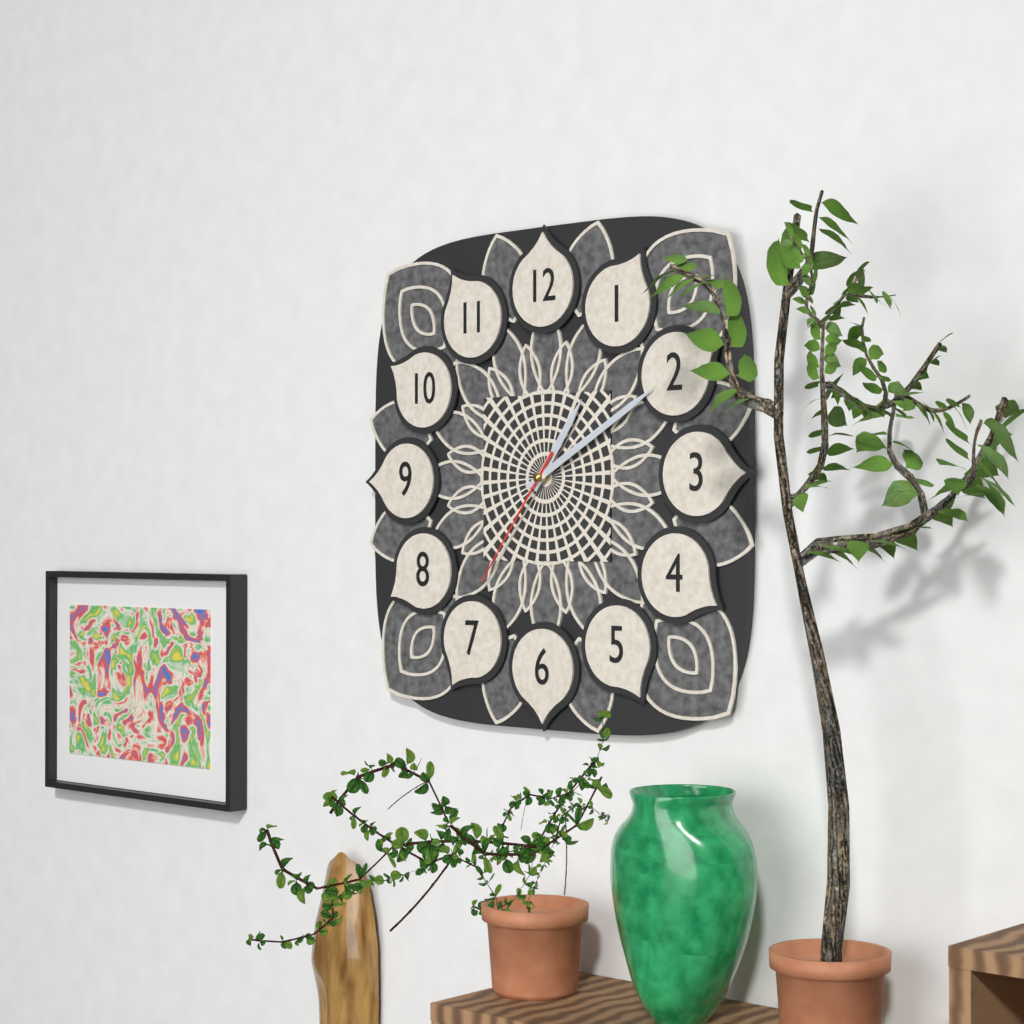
1:10:36
